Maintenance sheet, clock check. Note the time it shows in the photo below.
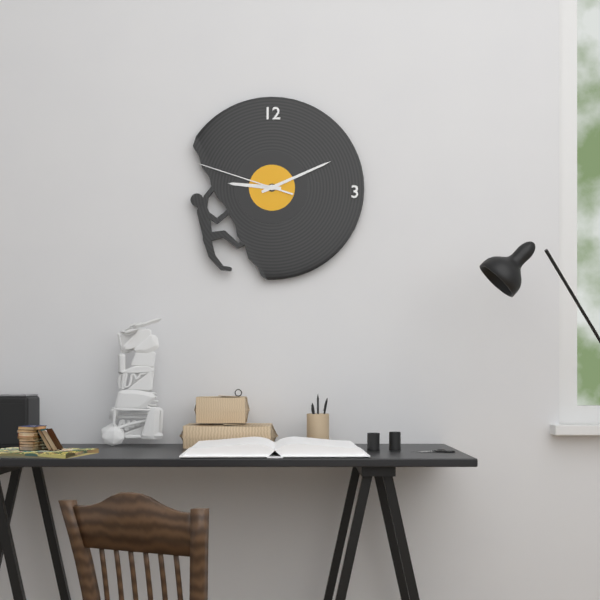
9:11:48
